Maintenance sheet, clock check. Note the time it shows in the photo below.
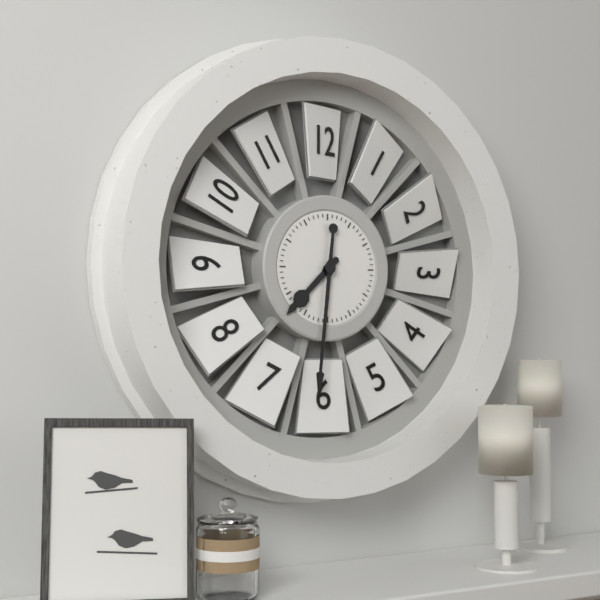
7:31
